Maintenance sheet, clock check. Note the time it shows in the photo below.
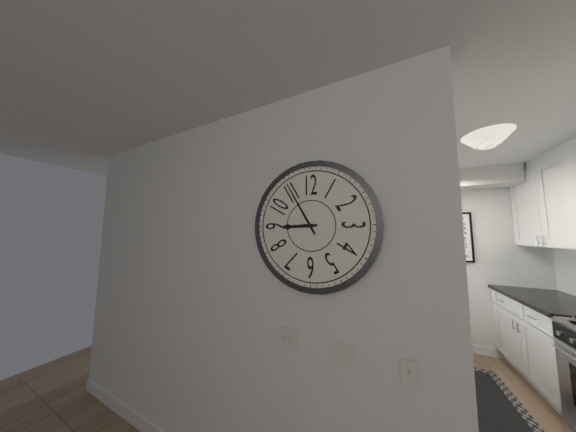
8:55
